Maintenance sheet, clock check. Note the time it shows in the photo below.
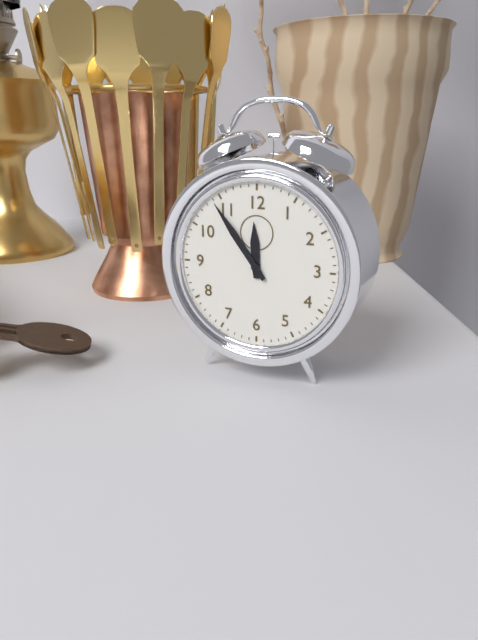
11:54
